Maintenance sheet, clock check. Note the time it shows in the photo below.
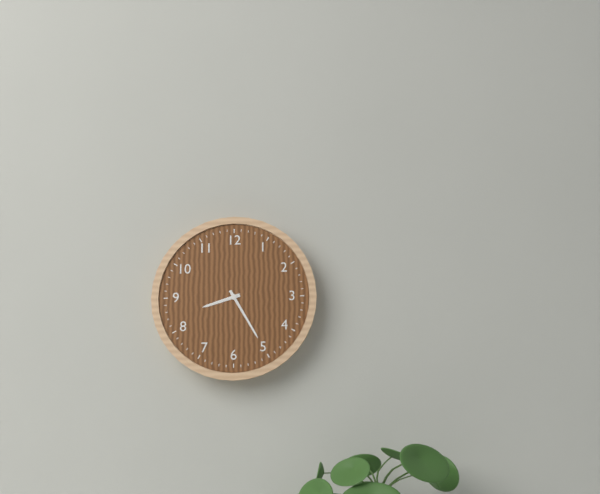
8:25
